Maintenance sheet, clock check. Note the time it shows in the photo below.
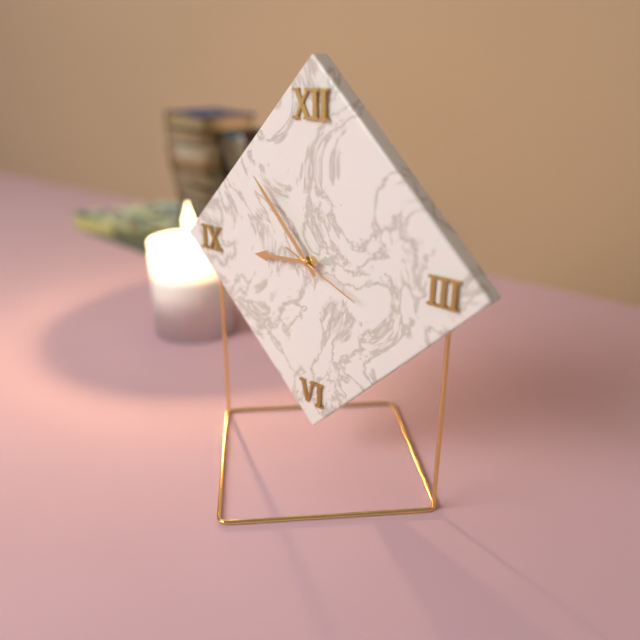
8:53:19
